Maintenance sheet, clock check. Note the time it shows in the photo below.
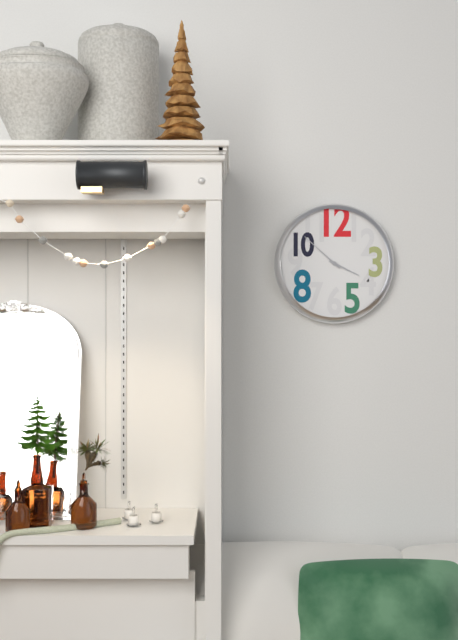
3:52
